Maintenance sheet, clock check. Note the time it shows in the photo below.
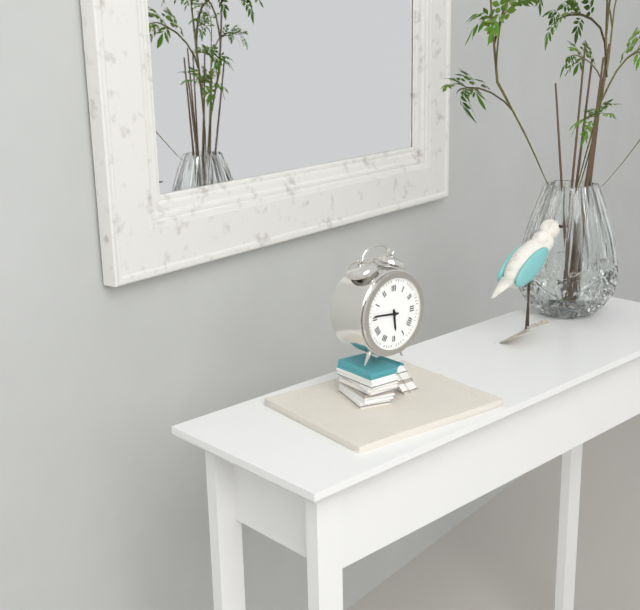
5:46
